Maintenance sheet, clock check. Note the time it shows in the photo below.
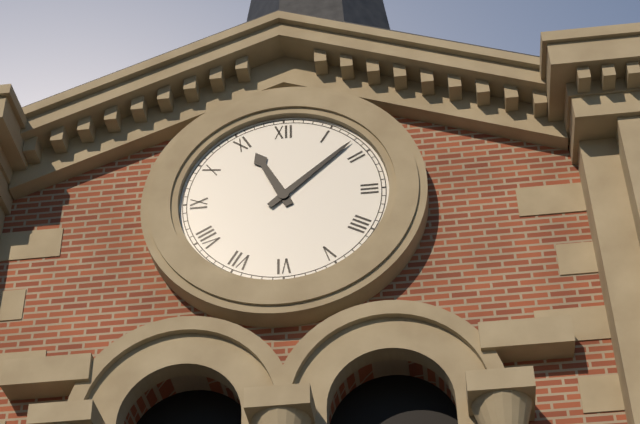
11:08
